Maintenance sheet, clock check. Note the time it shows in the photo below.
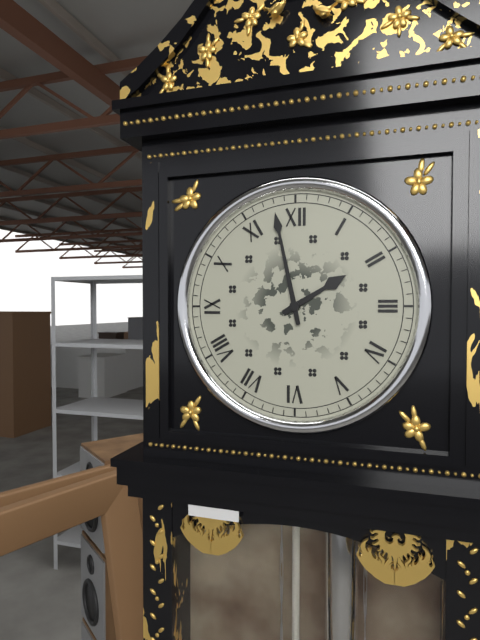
1:58
